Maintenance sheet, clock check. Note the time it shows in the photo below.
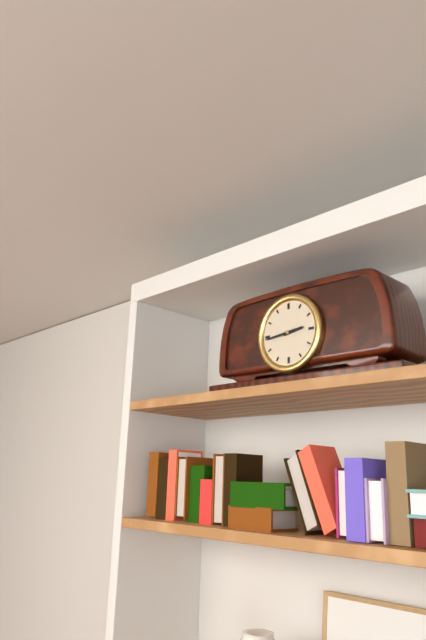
2:44
